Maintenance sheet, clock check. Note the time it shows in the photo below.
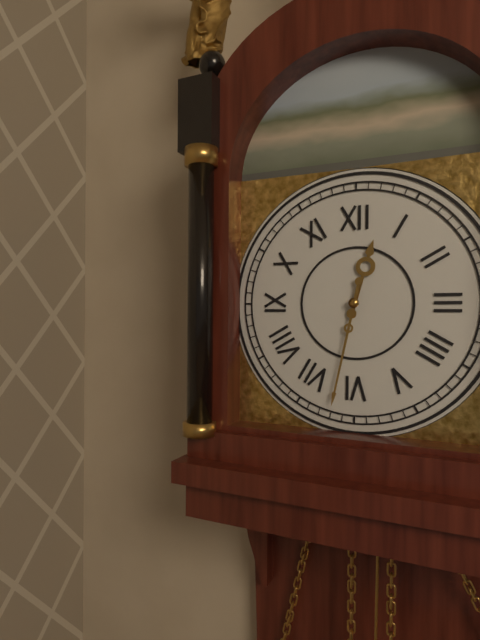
12:32
